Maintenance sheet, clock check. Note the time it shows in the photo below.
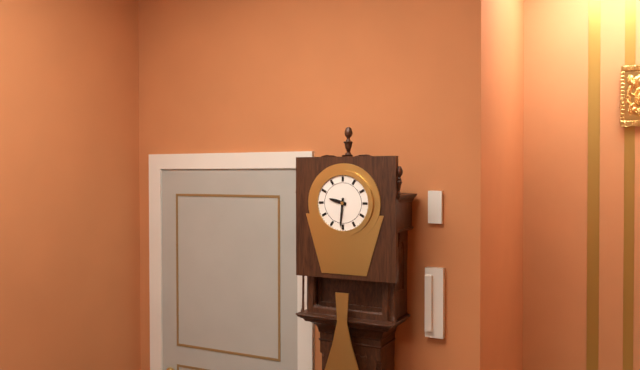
9:31
